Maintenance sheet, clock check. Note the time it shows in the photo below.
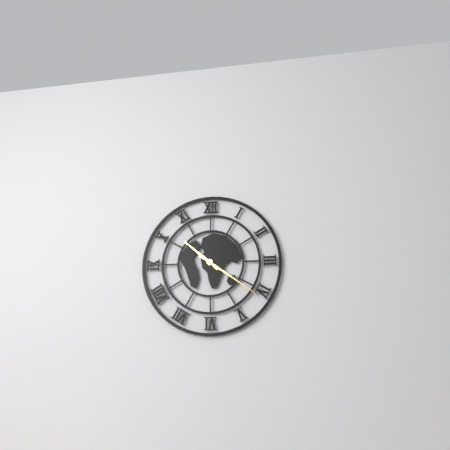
10:21
